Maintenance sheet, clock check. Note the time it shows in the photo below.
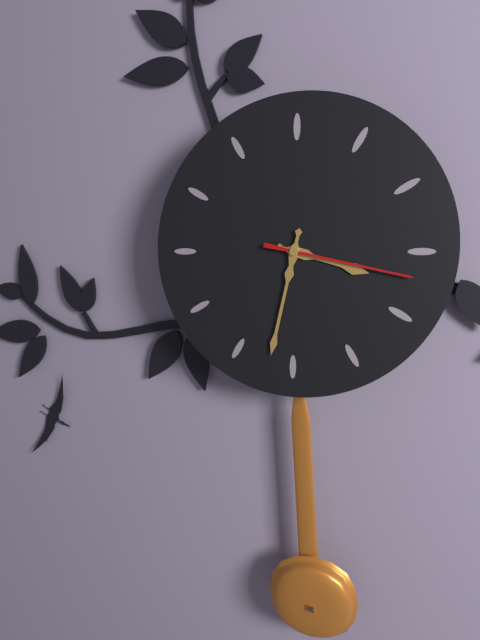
3:32:17
